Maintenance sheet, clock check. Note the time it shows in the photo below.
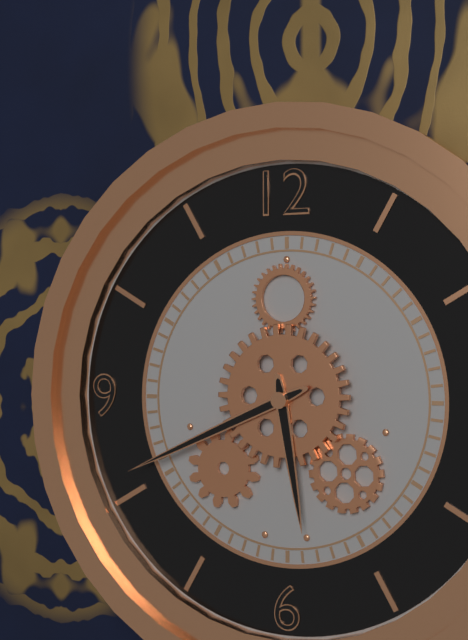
5:41
